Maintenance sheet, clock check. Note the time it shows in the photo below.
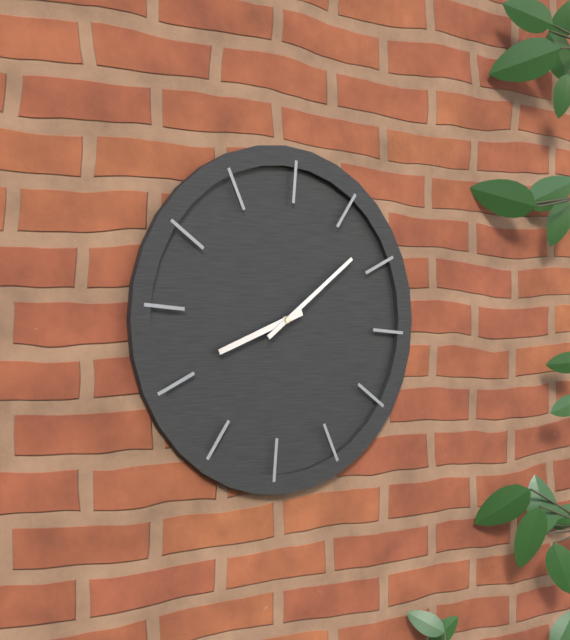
8:08
